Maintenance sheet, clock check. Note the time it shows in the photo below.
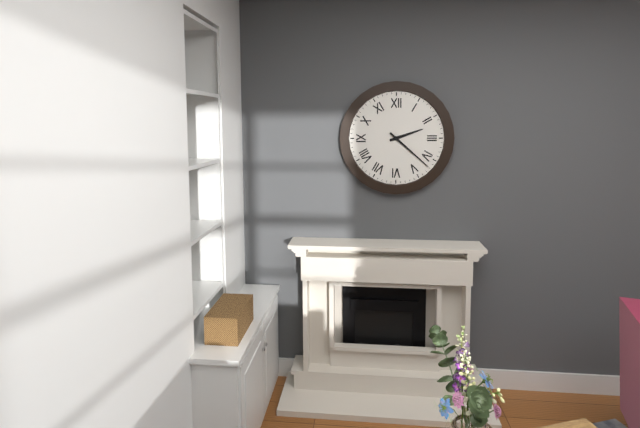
2:22
